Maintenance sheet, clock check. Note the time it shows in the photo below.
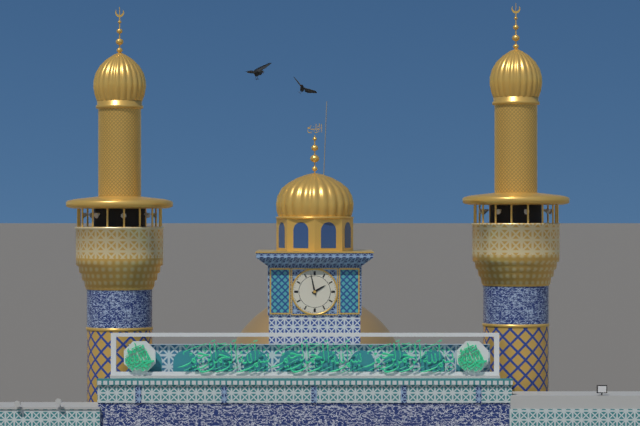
1:58
